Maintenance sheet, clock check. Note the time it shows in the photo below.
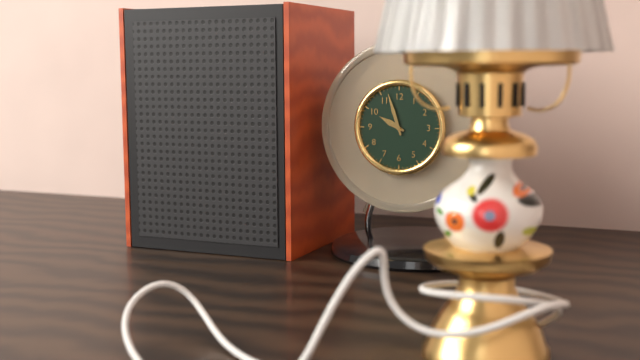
9:57
